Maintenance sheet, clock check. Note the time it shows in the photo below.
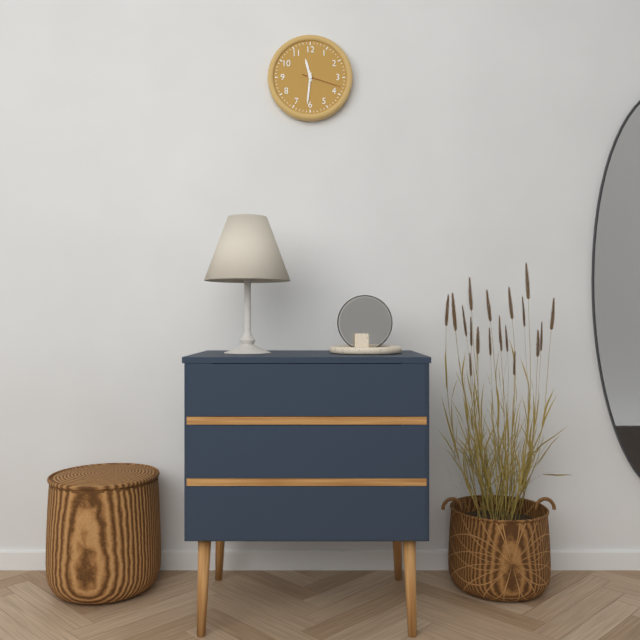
11:31
